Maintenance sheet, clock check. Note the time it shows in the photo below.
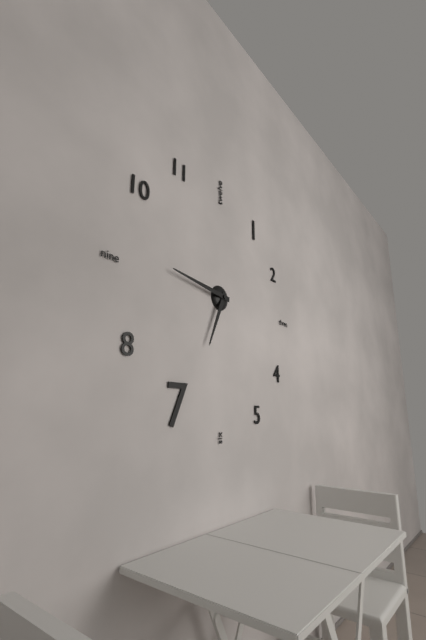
6:46
